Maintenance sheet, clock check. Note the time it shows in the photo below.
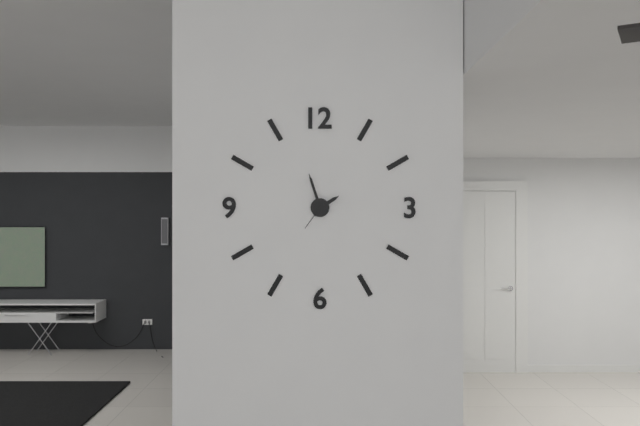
1:57
